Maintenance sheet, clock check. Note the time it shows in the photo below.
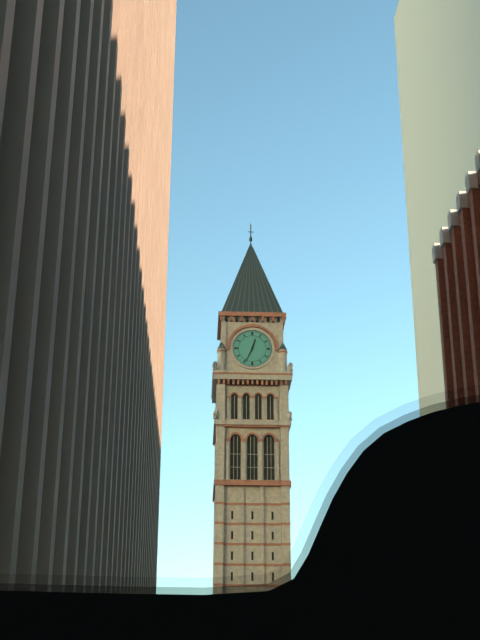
12:34
